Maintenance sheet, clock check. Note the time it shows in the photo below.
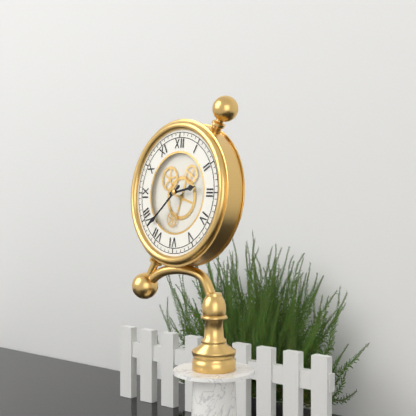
2:38
